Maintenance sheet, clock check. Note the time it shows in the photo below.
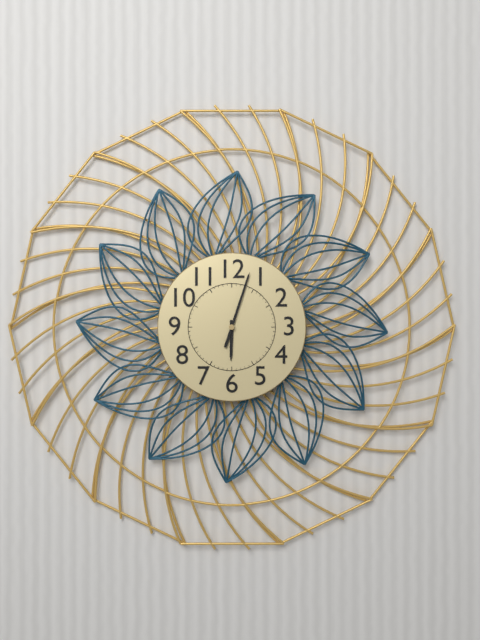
6:03
